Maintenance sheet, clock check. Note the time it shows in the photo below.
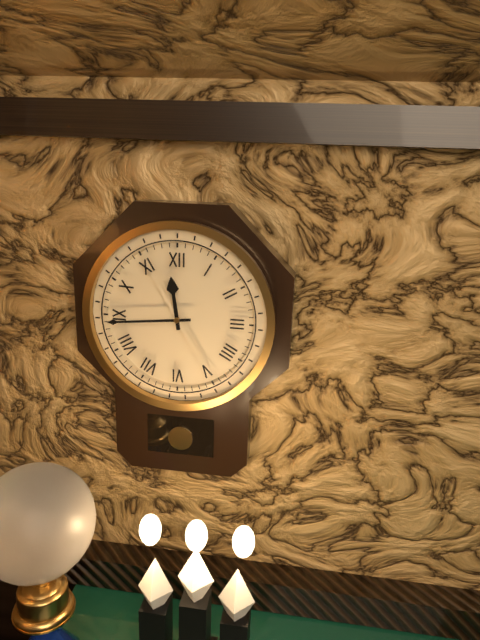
11:44
